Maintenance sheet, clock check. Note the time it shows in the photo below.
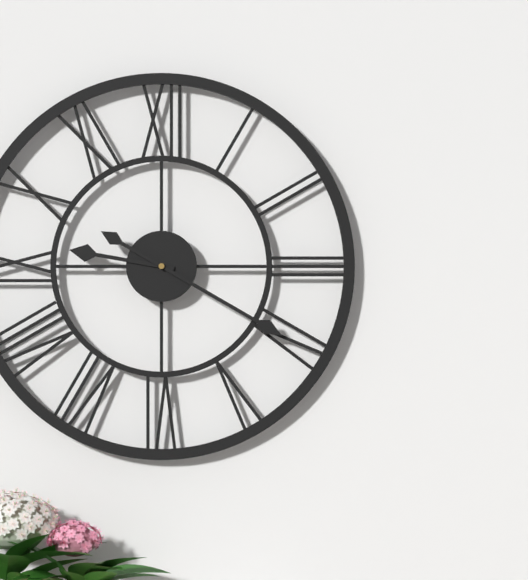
9:20
